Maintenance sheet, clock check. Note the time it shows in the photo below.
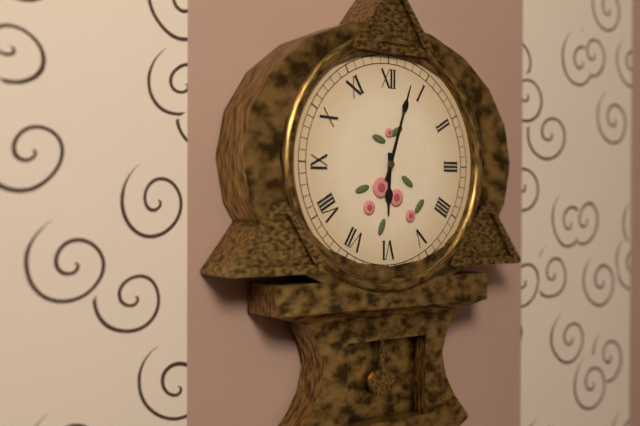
6:03
